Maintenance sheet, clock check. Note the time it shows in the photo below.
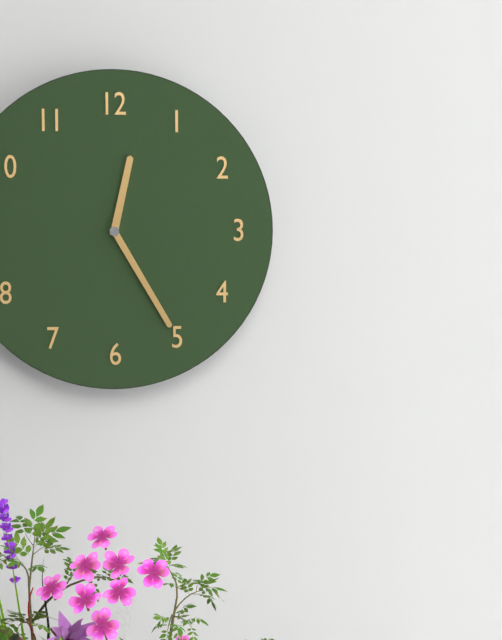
12:25
